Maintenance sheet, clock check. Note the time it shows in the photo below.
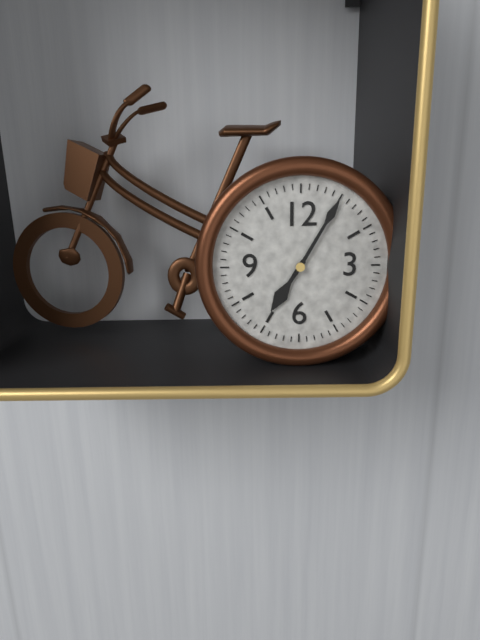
7:05
